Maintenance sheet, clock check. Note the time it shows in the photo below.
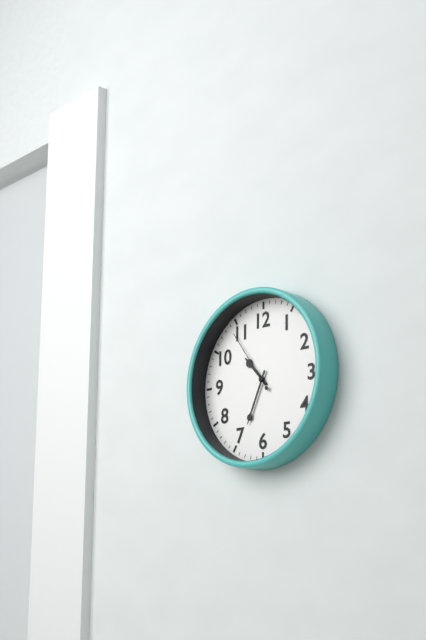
10:34:54
